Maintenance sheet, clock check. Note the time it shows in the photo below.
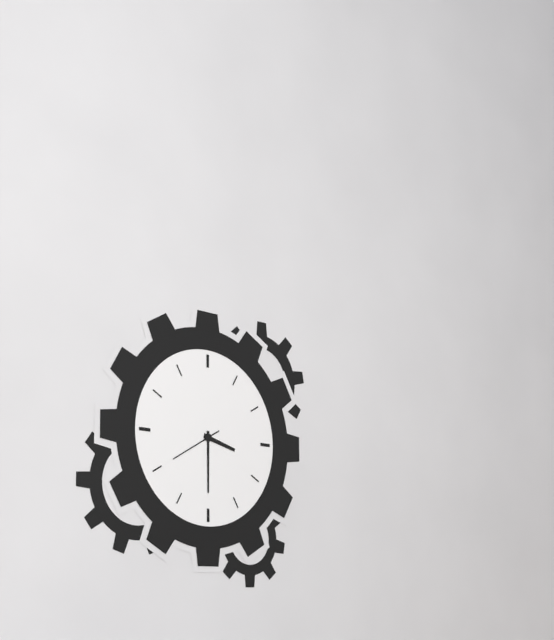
3:30:40
